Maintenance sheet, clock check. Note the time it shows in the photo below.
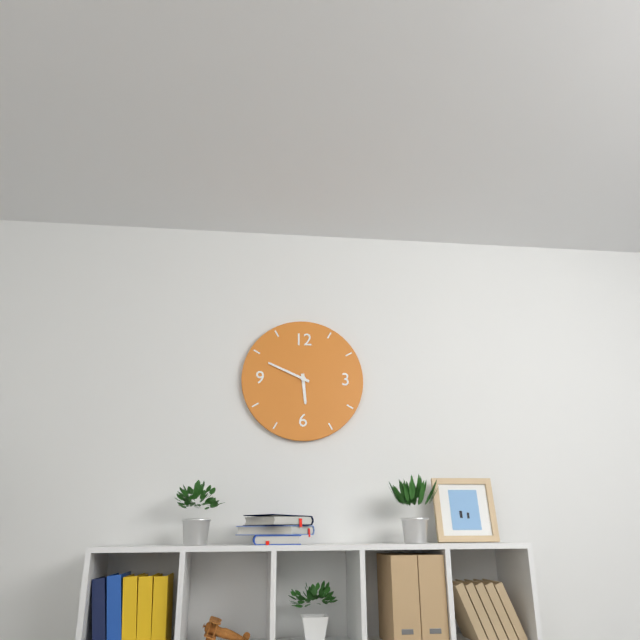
5:49
